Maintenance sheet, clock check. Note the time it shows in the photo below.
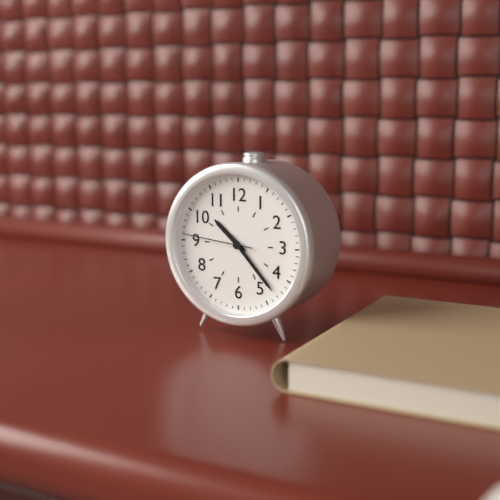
10:23:46
